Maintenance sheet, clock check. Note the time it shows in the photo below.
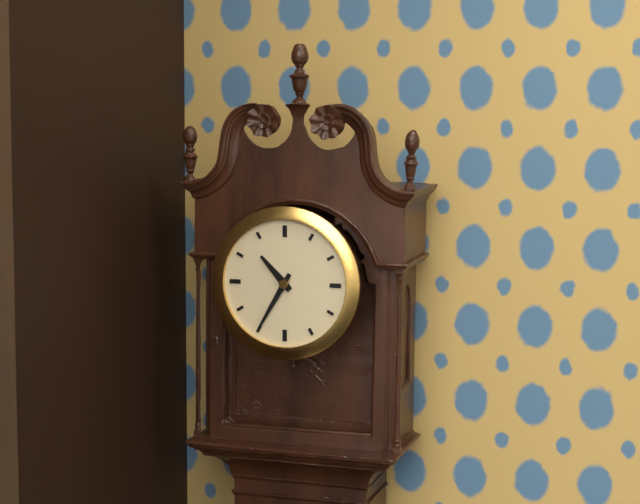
10:35
